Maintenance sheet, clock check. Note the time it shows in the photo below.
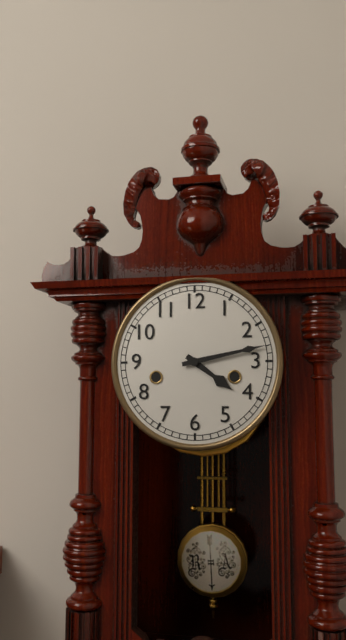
4:13
